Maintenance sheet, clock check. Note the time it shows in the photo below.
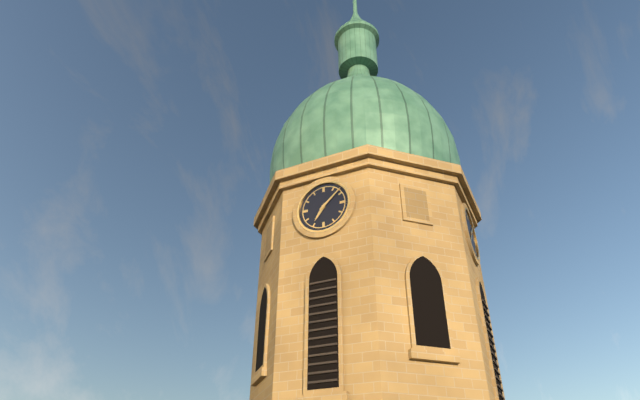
7:08
